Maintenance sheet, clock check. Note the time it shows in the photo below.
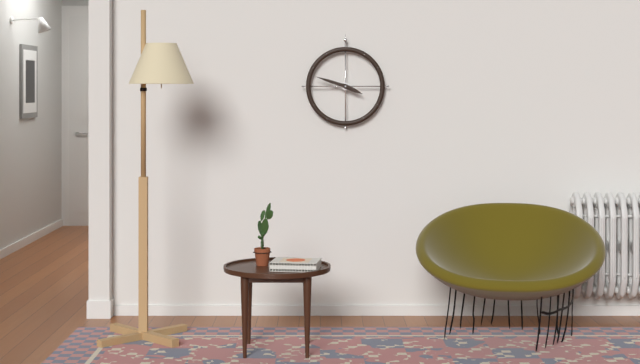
3:48
